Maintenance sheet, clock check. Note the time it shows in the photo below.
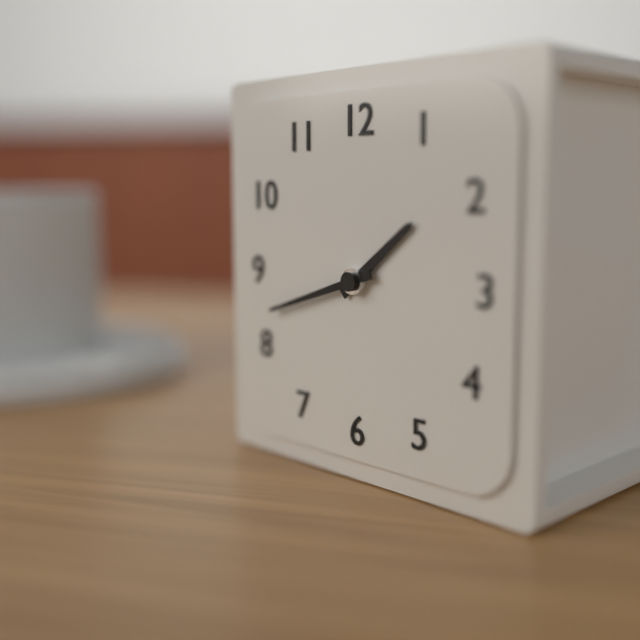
1:42
